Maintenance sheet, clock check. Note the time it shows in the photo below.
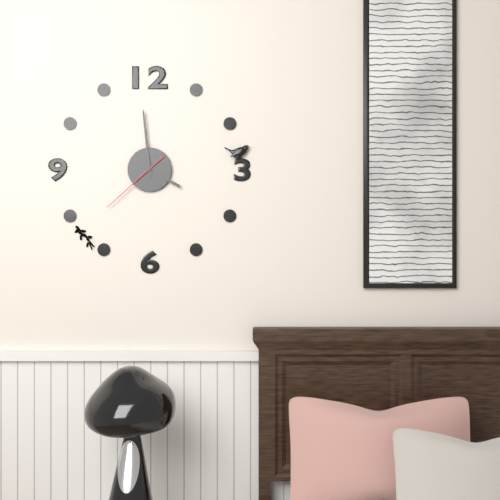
3:59:38
